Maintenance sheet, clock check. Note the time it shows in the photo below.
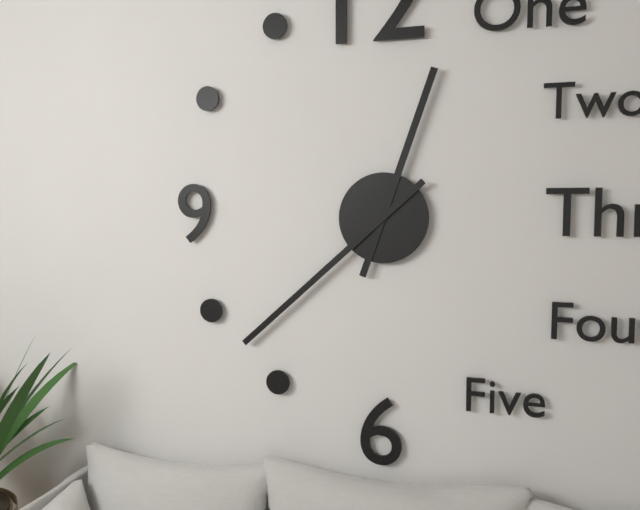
12:38
